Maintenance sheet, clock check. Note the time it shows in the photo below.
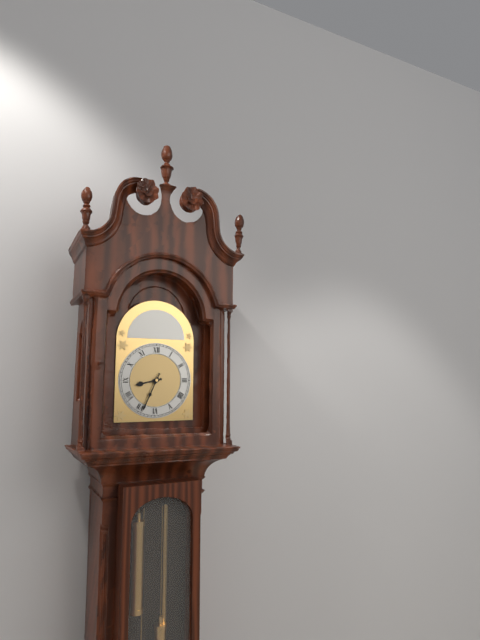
8:34
